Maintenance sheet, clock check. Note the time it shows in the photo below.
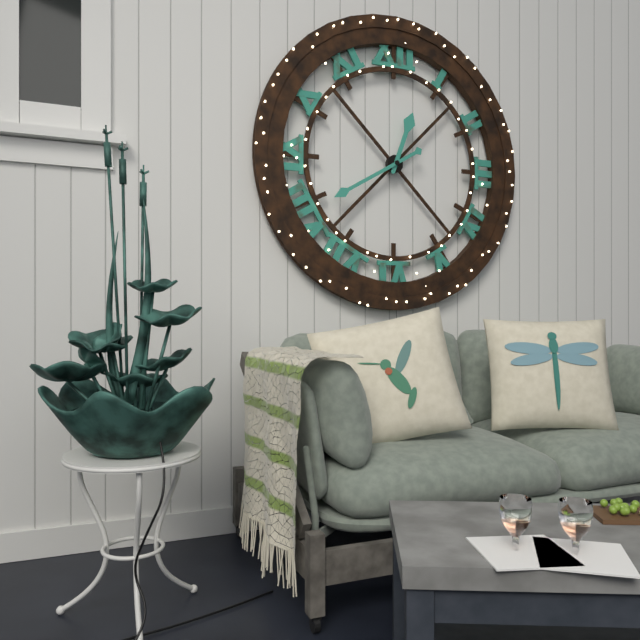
12:40
